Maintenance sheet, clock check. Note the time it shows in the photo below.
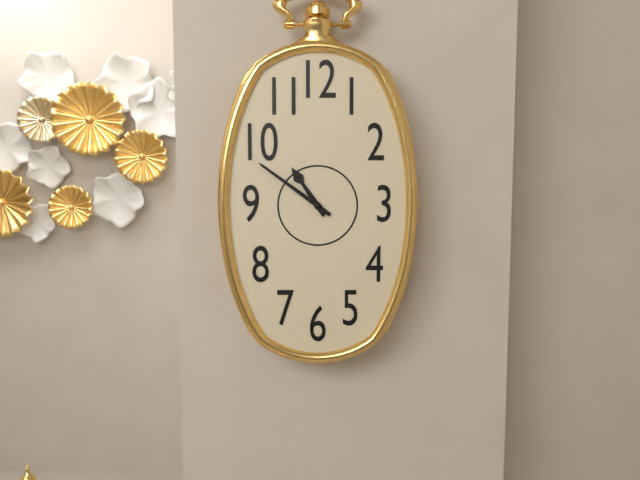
10:51
